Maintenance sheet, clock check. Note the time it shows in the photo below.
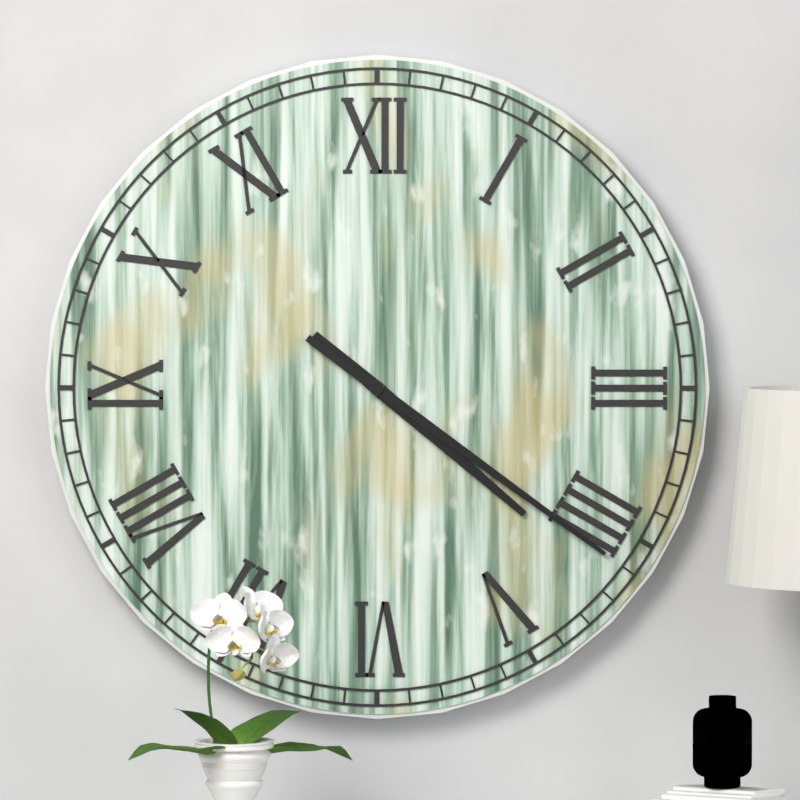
4:21
